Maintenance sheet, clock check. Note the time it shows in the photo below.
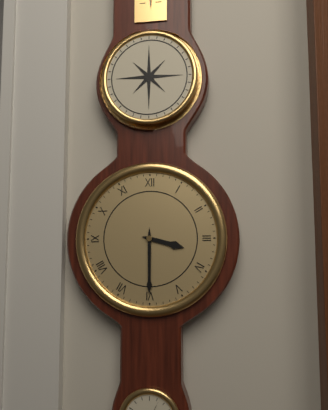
3:30
